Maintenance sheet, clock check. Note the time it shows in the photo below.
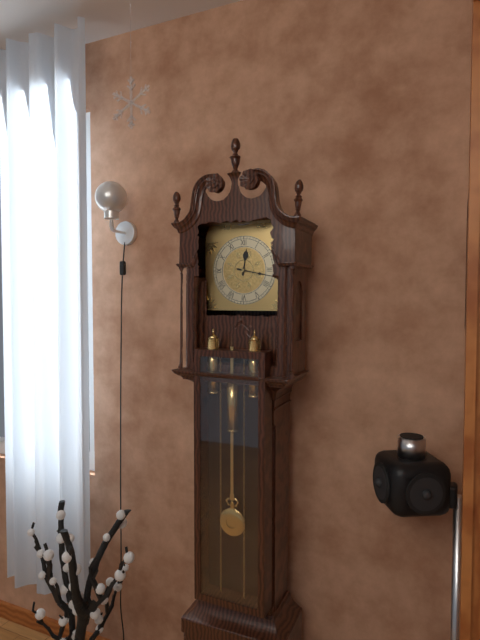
12:17
